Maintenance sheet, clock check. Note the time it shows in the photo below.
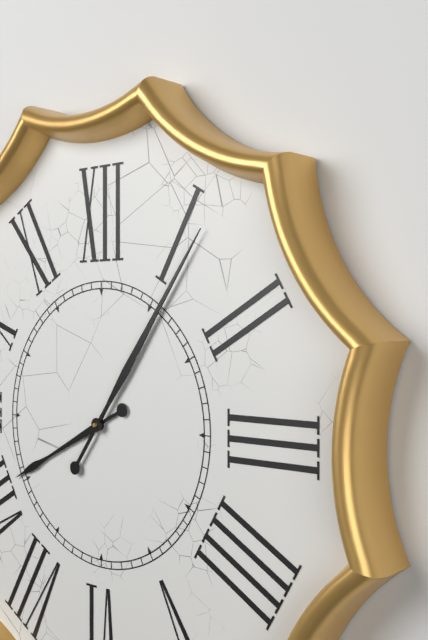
8:06
